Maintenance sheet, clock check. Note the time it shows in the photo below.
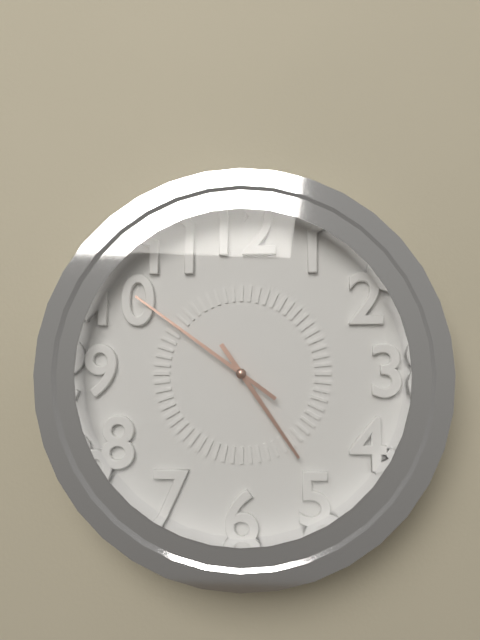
4:51
